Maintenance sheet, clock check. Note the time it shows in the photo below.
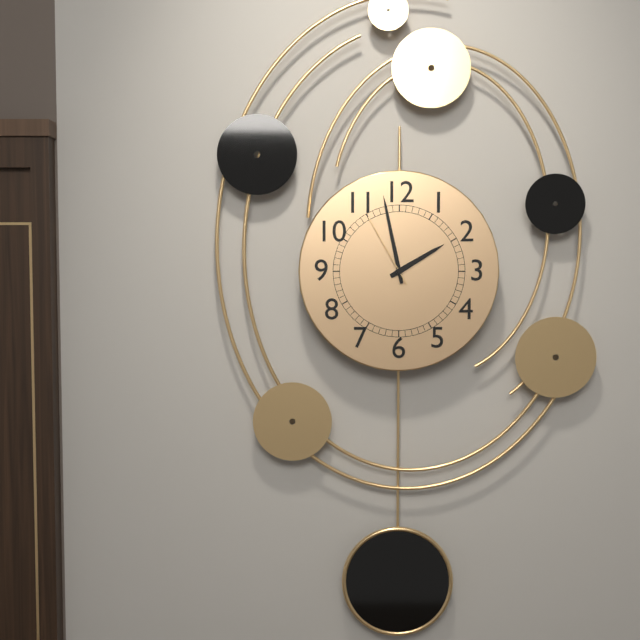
1:58:55
